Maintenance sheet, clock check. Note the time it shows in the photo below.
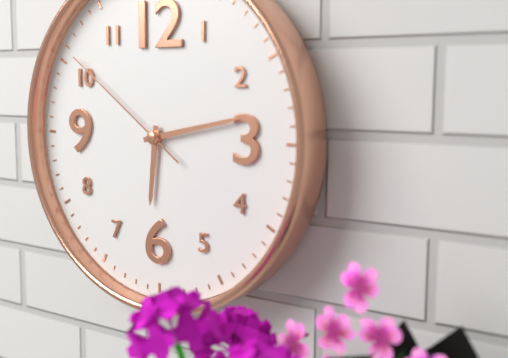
6:13:51
